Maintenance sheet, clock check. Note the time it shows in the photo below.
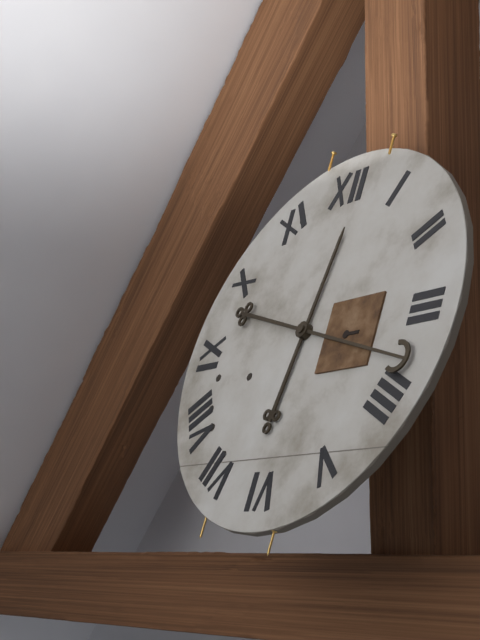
12:18
